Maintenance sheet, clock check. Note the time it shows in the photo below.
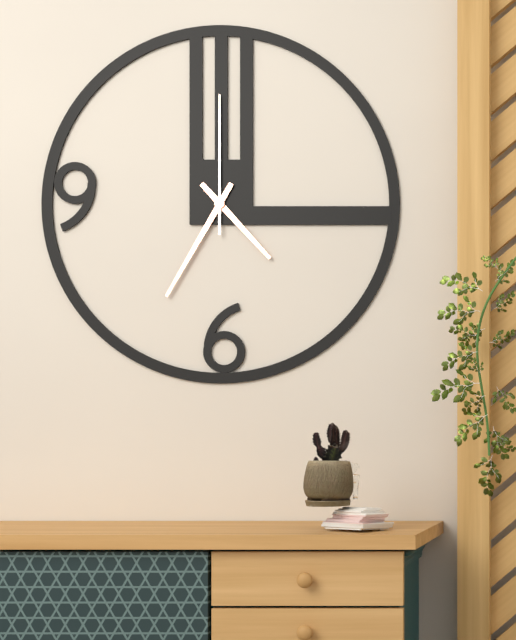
4:35:00
